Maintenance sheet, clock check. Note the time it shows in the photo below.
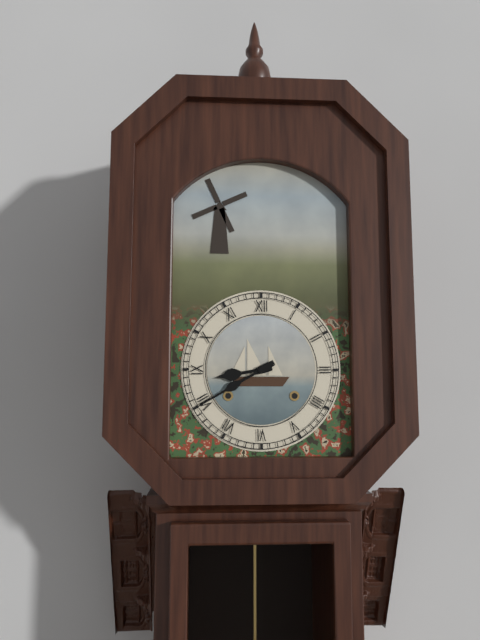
8:40
